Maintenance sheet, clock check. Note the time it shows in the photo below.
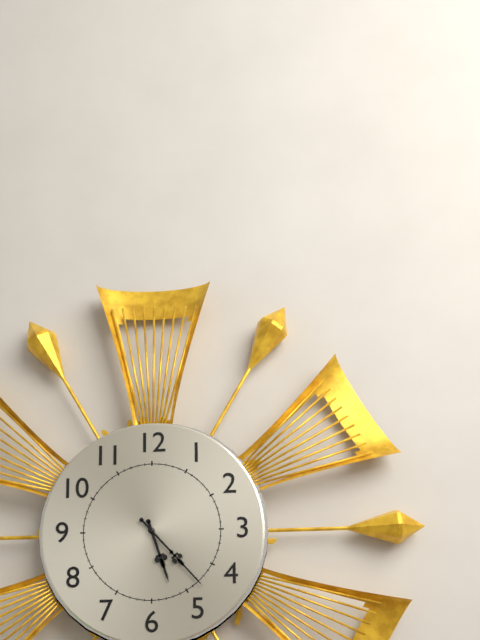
5:23
